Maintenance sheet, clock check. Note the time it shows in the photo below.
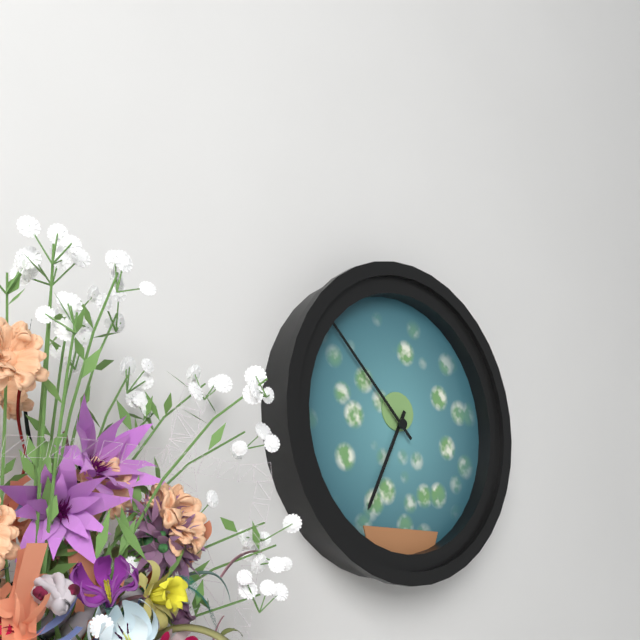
6:52
